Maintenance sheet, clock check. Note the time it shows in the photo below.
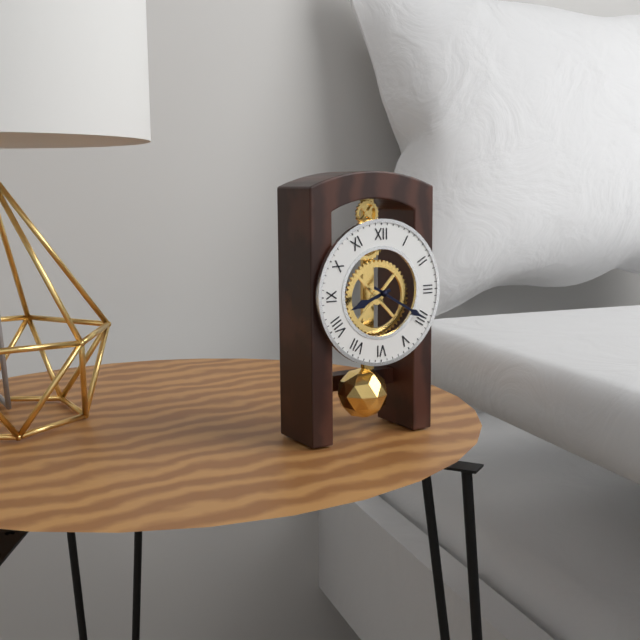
8:20
